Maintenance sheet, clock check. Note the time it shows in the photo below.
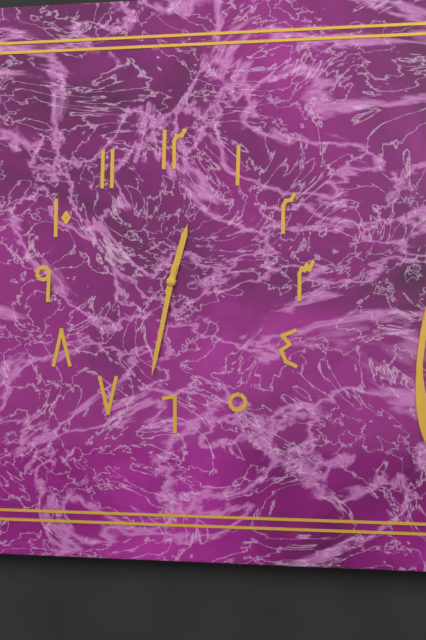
12:32
